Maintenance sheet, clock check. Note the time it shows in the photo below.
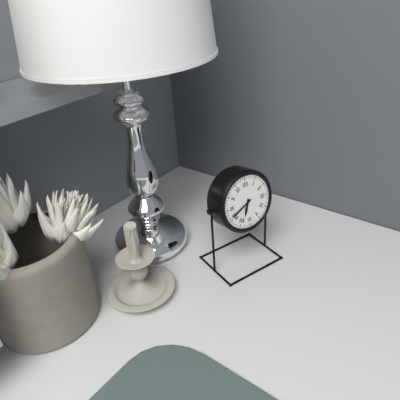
6:41
